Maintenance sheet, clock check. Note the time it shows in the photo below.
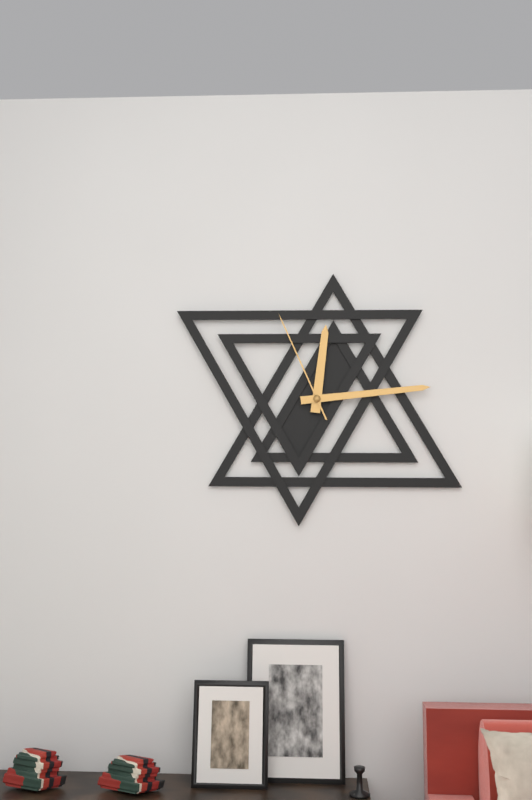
12:14:56
